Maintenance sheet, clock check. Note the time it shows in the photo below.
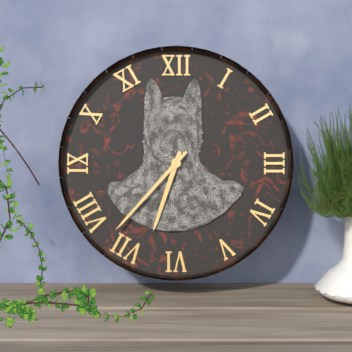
6:37
